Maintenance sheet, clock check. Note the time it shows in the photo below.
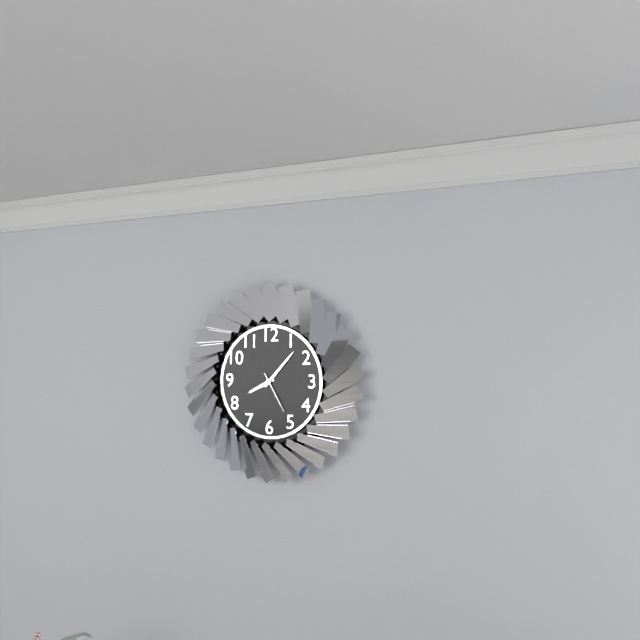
8:07
